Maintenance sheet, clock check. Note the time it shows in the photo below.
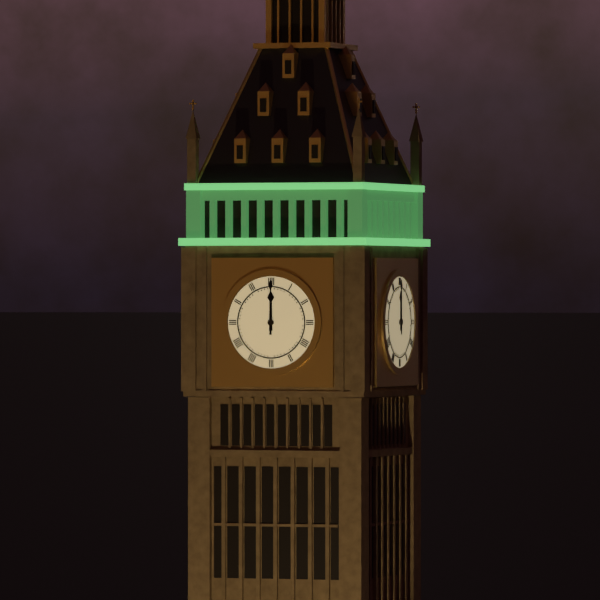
12:00
